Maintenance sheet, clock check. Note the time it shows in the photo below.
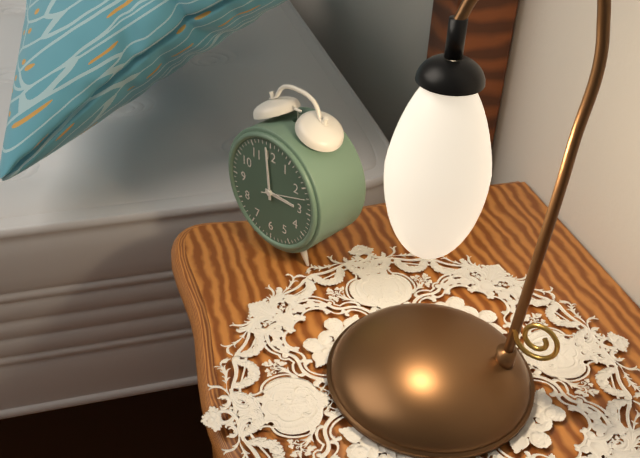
2:59
